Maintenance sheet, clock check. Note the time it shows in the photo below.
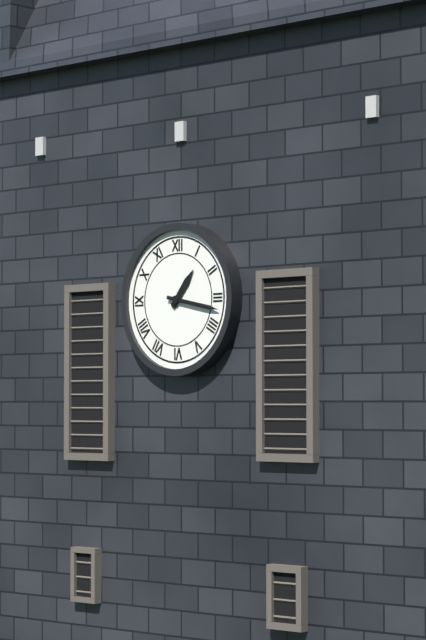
1:17
